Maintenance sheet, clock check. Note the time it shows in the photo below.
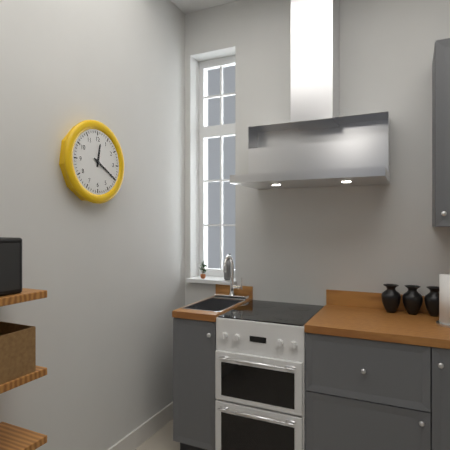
12:20
